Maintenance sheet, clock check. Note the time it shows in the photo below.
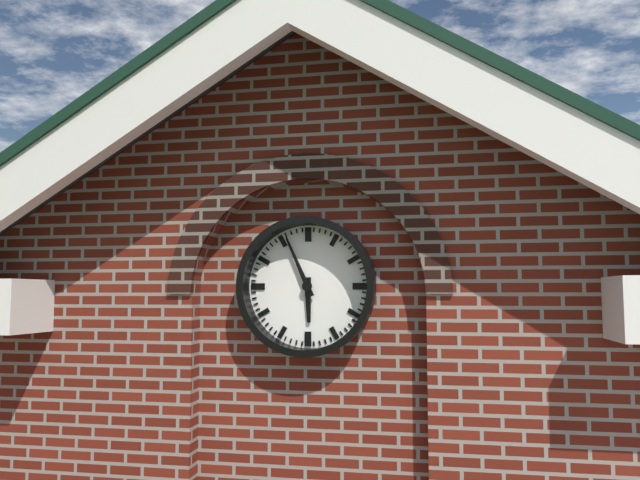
5:56
